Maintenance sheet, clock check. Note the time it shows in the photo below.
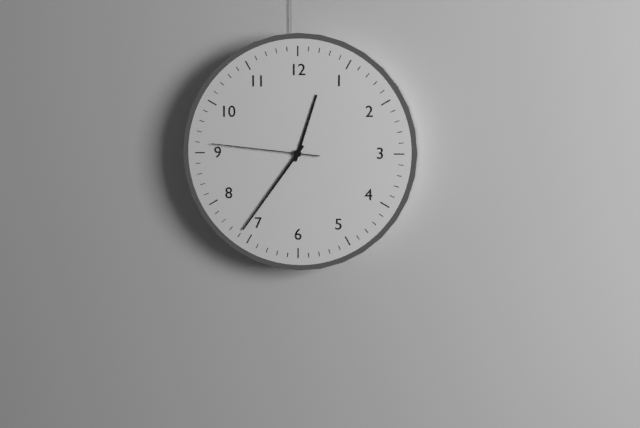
12:36:46
